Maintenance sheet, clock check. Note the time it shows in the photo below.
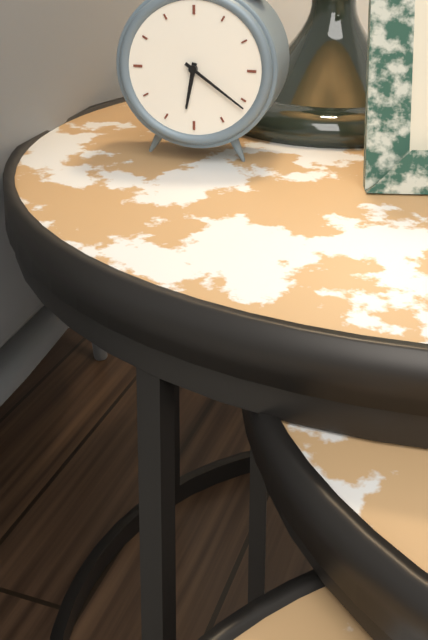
6:21
